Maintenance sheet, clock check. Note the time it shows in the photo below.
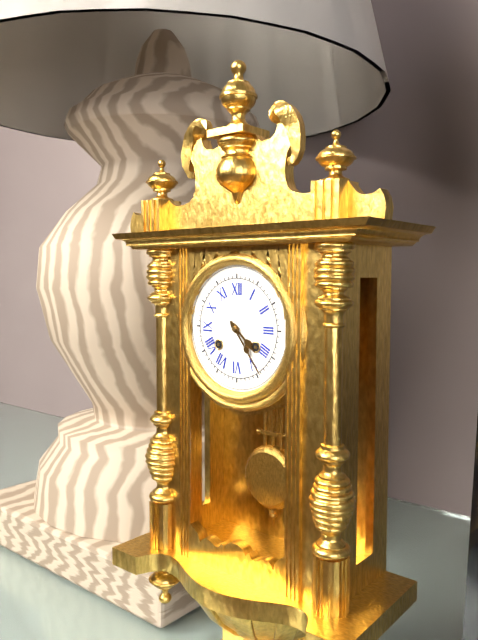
4:24
